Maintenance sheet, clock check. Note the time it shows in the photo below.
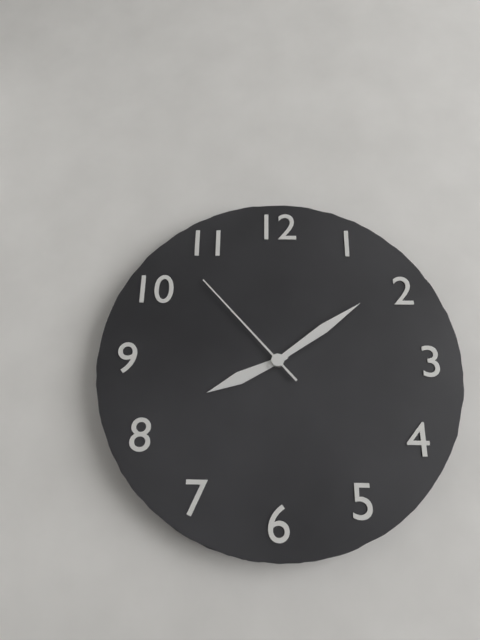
8:09:53
